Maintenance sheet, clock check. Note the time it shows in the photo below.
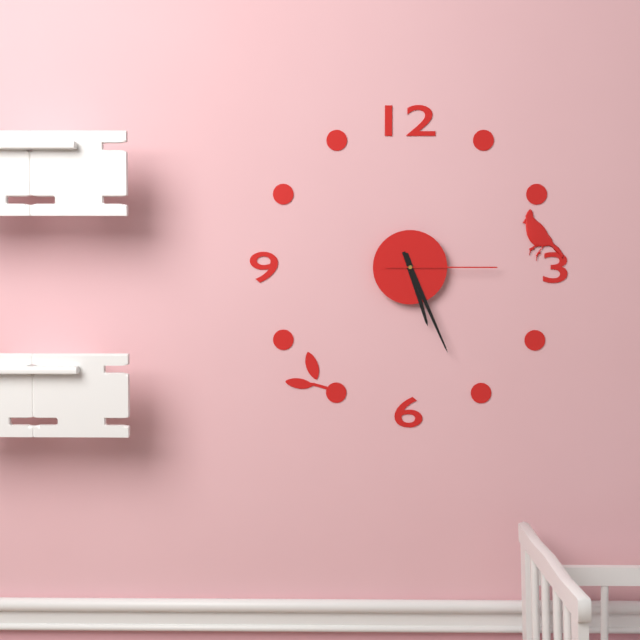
5:26:15
